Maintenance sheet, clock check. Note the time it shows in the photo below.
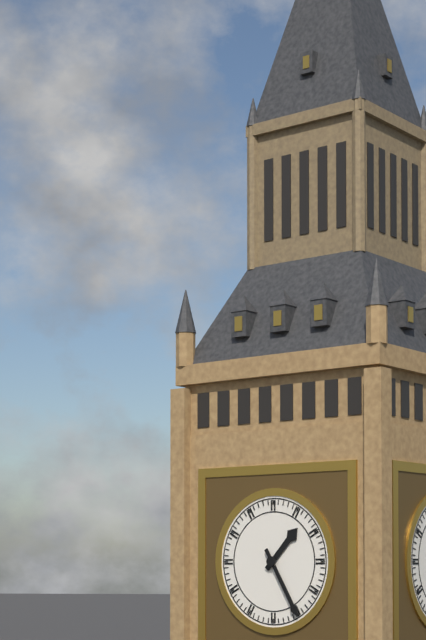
1:25
